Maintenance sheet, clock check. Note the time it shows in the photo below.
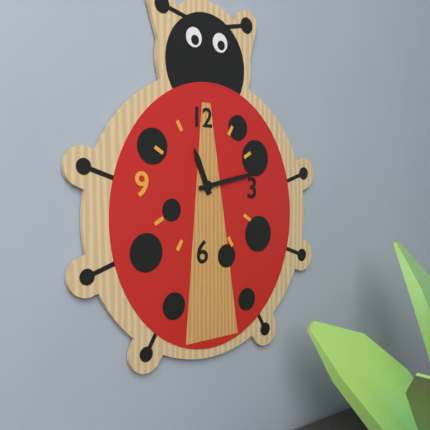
11:13
